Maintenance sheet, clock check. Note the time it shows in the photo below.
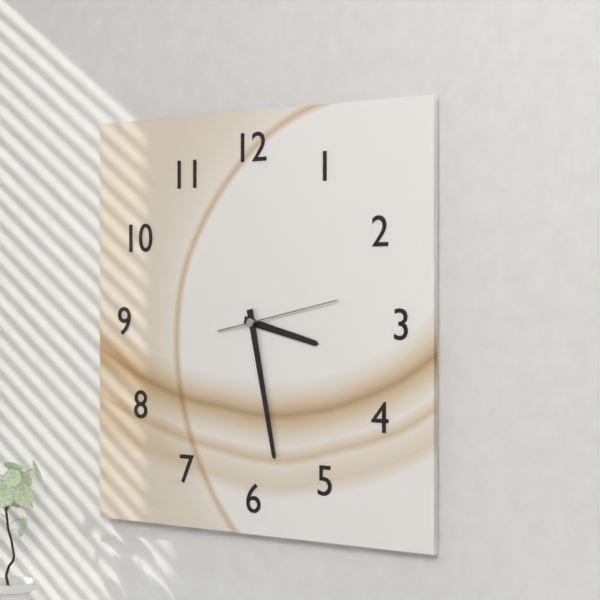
3:28:13
